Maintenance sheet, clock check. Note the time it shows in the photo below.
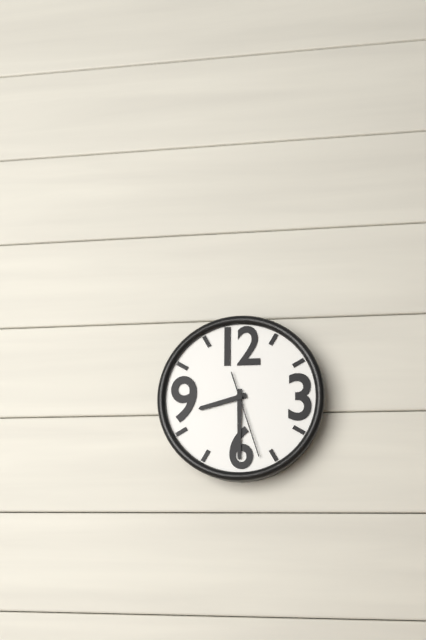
8:30:27
